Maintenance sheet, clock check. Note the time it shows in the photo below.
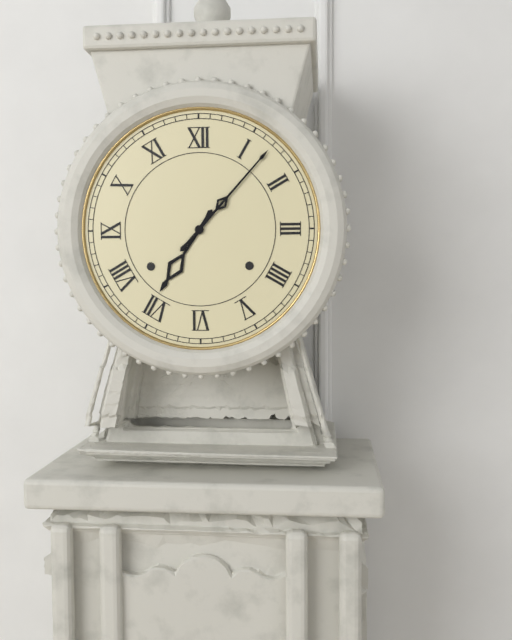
7:07
